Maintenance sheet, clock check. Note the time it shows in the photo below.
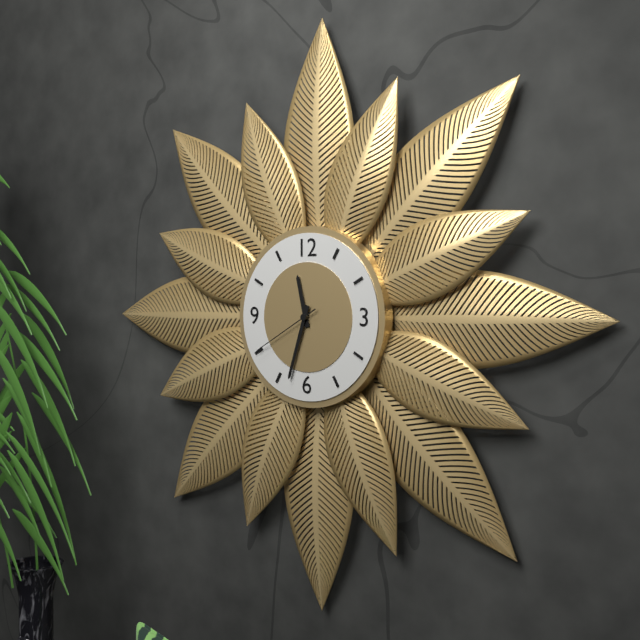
11:33:40
